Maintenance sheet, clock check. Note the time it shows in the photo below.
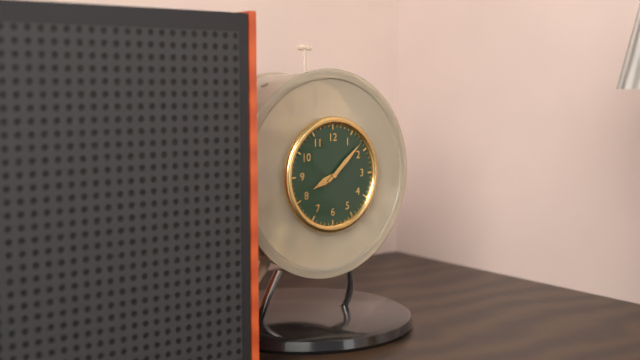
8:08
